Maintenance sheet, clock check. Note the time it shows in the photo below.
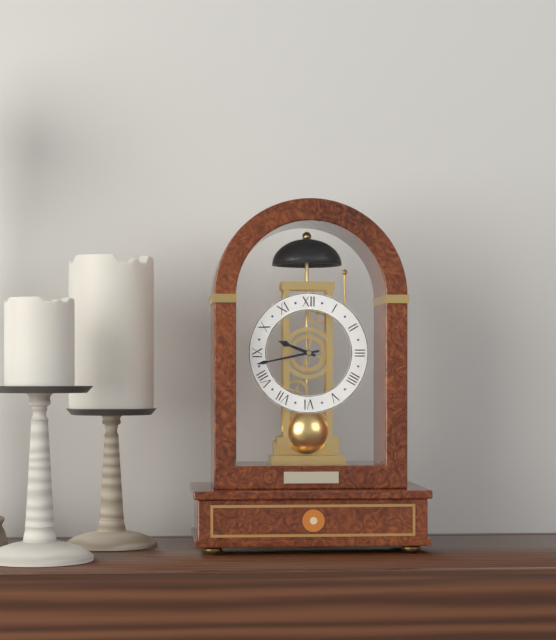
9:43
